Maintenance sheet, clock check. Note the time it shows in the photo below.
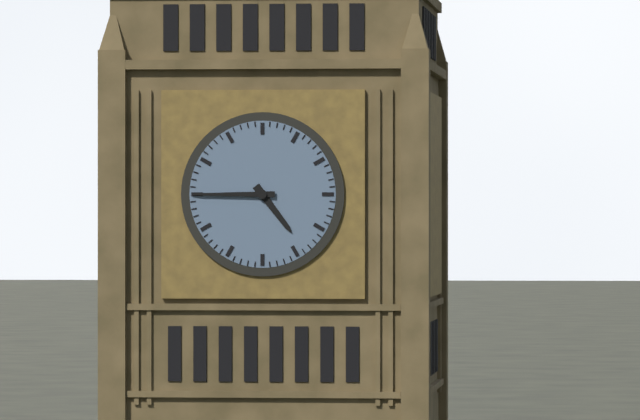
4:45
